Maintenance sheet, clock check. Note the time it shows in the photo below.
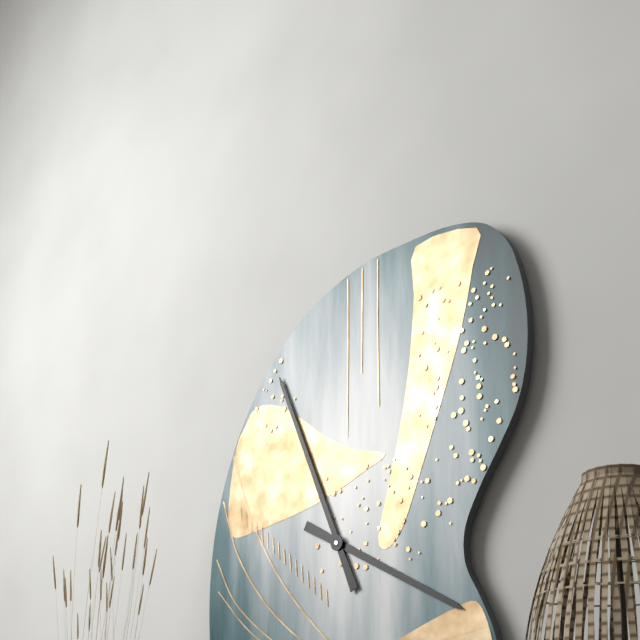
3:56
